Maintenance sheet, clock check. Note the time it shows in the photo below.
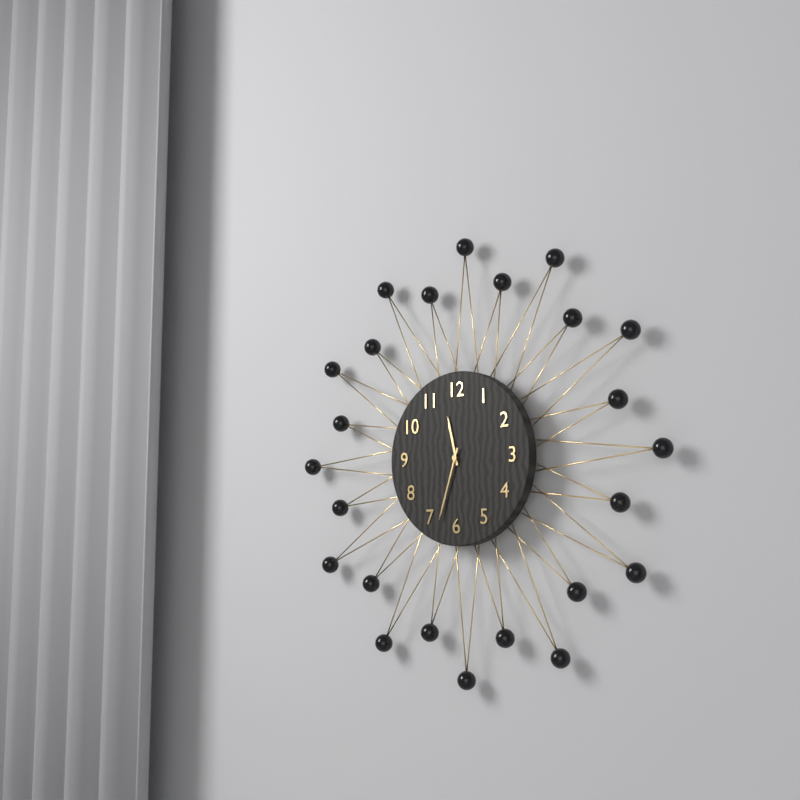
11:33
